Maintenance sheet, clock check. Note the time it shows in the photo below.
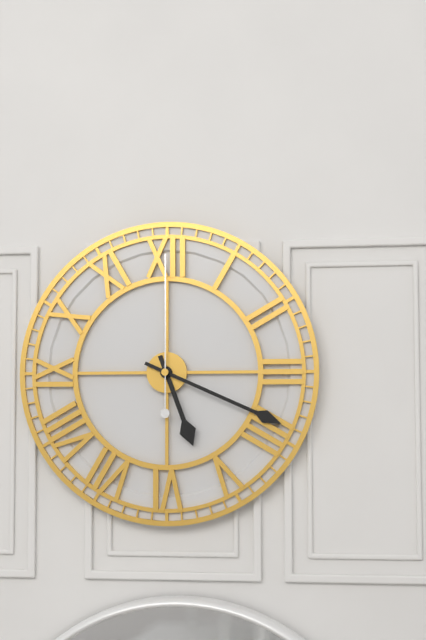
5:19:00
